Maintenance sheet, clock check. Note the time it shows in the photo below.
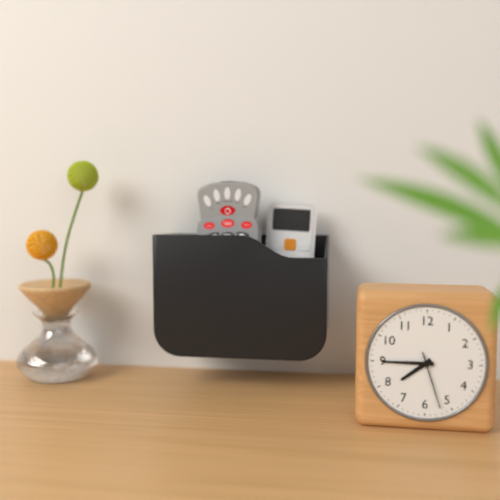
7:45:27
